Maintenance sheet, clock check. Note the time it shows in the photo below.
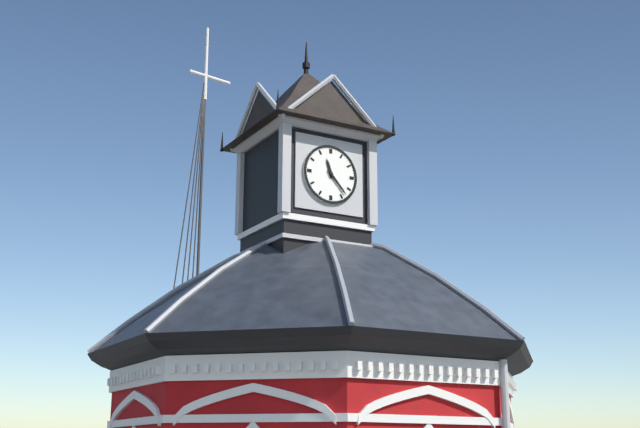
11:23
